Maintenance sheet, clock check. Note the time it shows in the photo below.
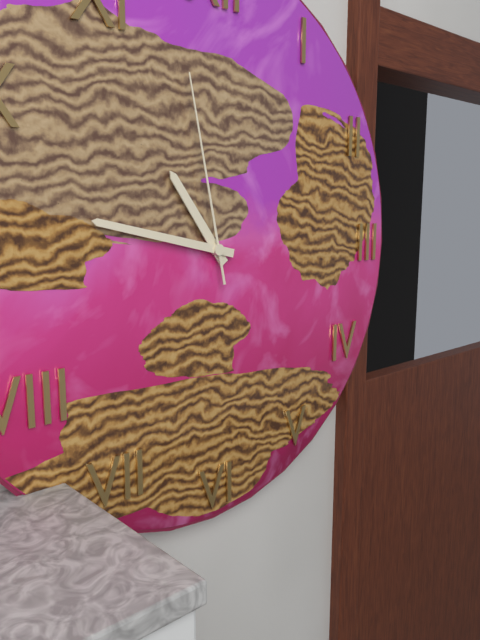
10:47:58
